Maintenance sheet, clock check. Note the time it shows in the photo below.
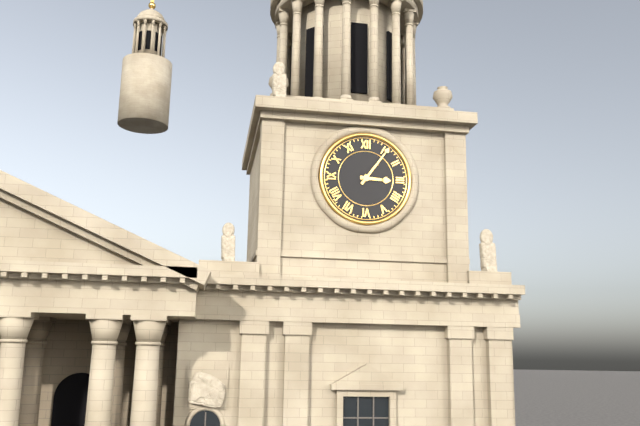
3:06
